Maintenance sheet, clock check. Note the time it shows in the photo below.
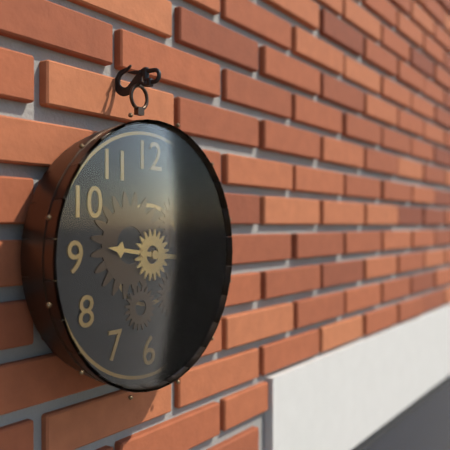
9:16
